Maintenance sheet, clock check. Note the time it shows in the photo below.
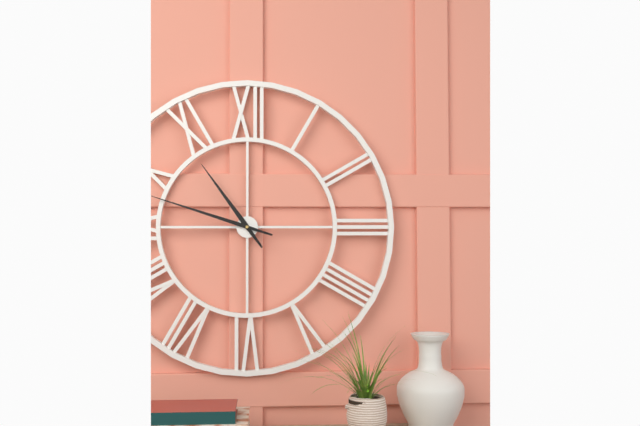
10:48
